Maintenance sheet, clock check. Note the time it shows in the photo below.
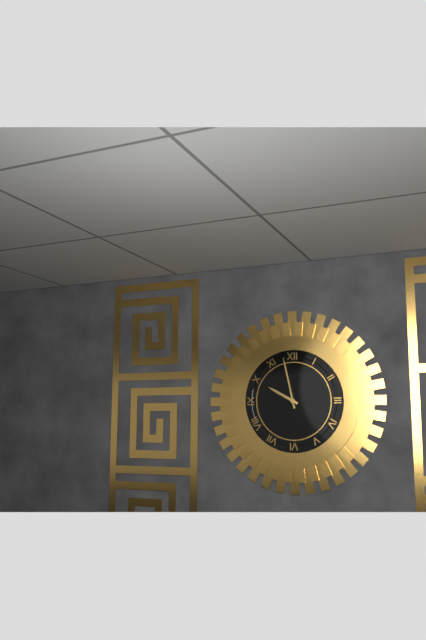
9:58
